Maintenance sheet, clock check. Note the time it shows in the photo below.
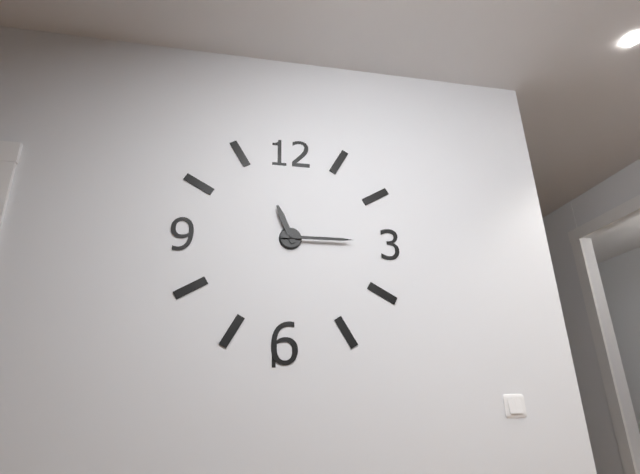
11:15
